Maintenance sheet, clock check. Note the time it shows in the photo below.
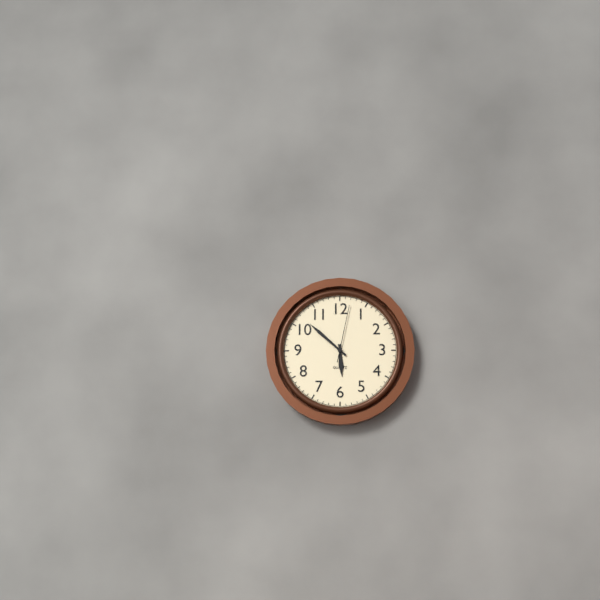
5:52:02
